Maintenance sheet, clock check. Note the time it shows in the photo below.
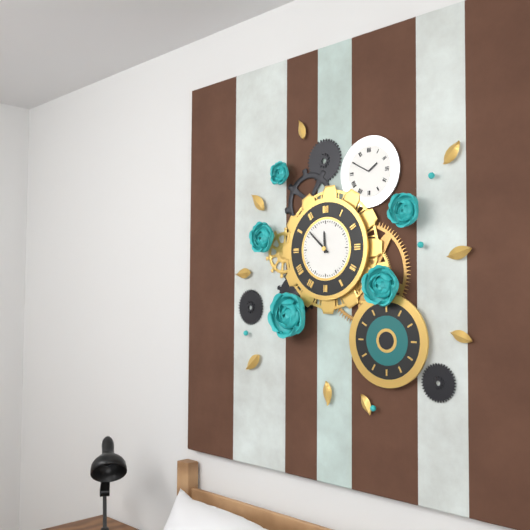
11:52
